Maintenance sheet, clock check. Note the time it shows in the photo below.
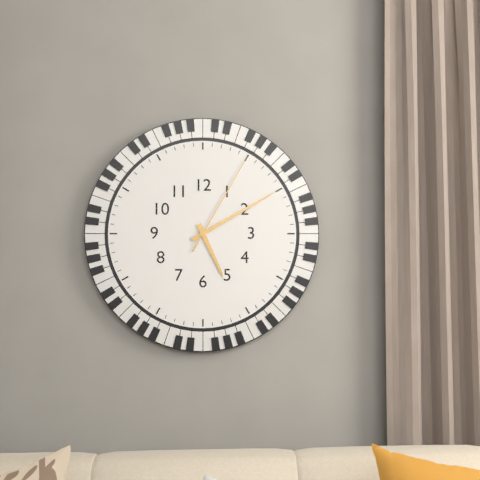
5:10:05
